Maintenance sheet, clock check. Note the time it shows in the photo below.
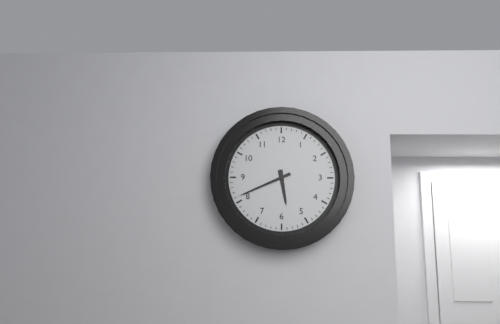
5:41
